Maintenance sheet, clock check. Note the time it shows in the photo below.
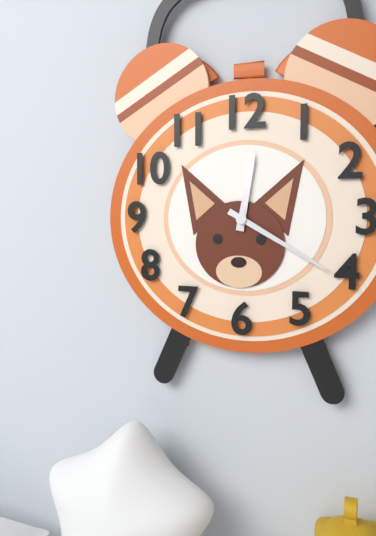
12:20
